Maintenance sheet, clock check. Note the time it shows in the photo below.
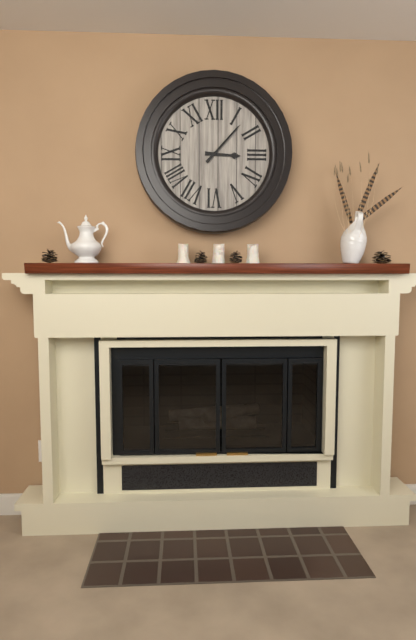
3:07
